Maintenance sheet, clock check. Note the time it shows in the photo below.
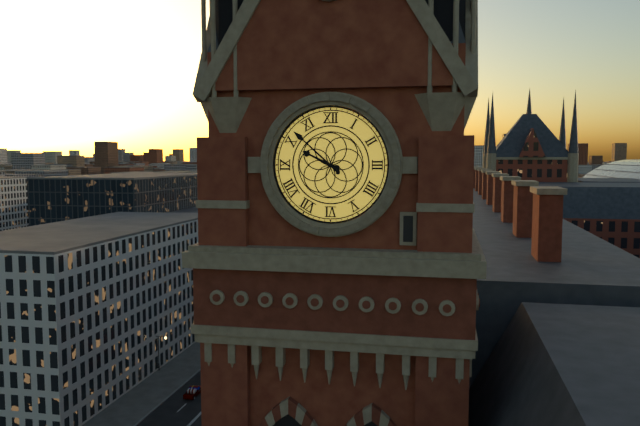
9:52
